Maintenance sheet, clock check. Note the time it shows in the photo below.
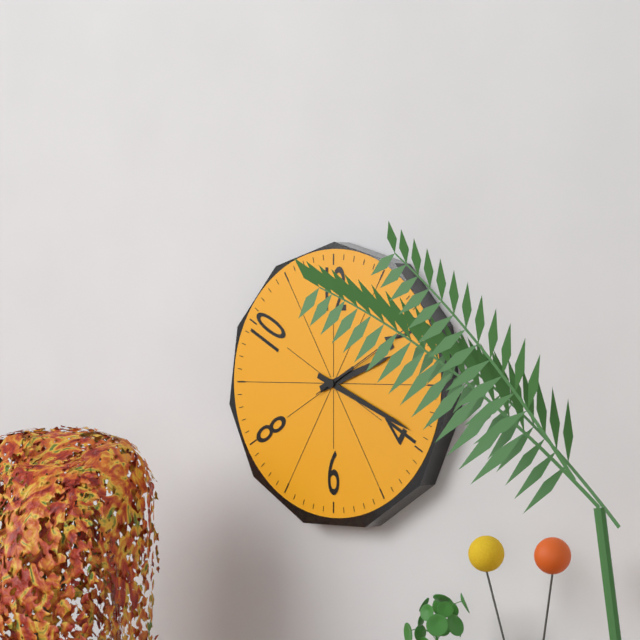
2:19
